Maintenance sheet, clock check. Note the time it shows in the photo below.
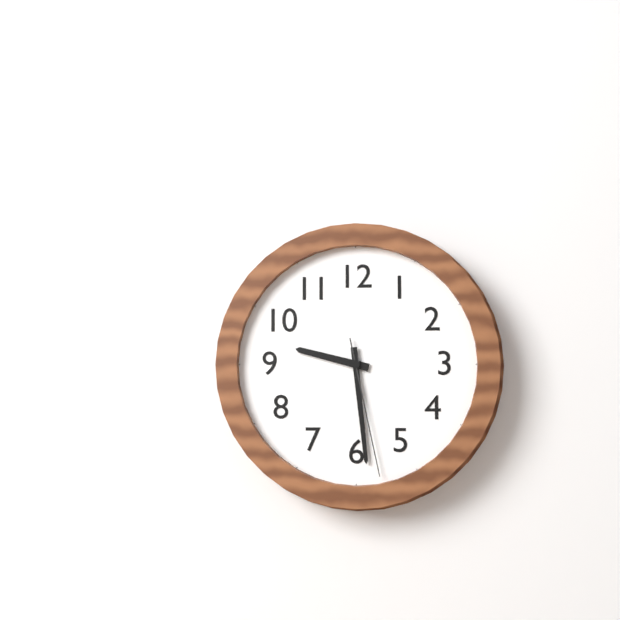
9:29:28
